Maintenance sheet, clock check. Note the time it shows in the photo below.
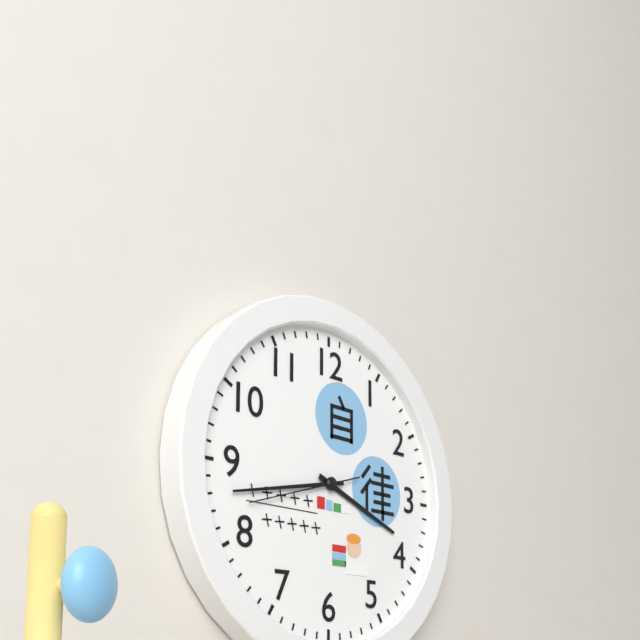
3:43:42
